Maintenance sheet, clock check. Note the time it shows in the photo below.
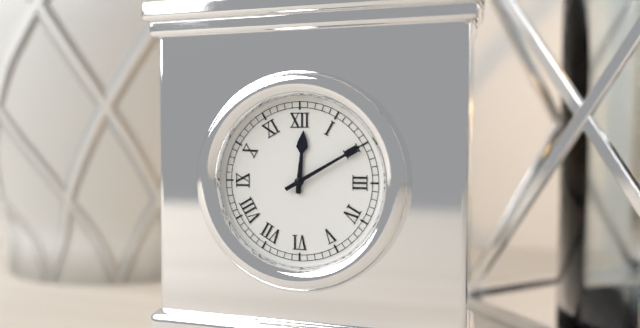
12:10
